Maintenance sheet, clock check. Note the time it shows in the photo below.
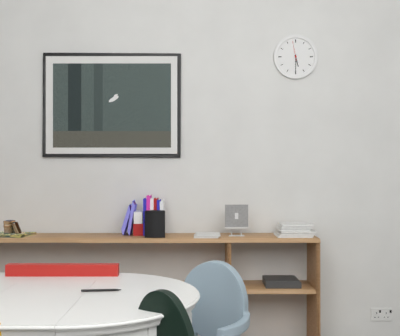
5:30
